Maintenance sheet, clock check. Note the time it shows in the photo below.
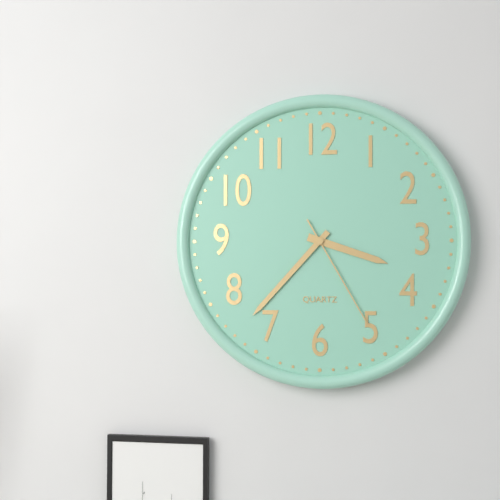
3:37:25
